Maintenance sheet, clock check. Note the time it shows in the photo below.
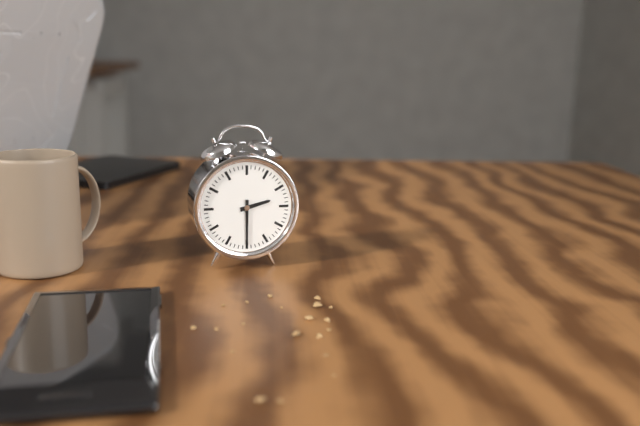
2:30
